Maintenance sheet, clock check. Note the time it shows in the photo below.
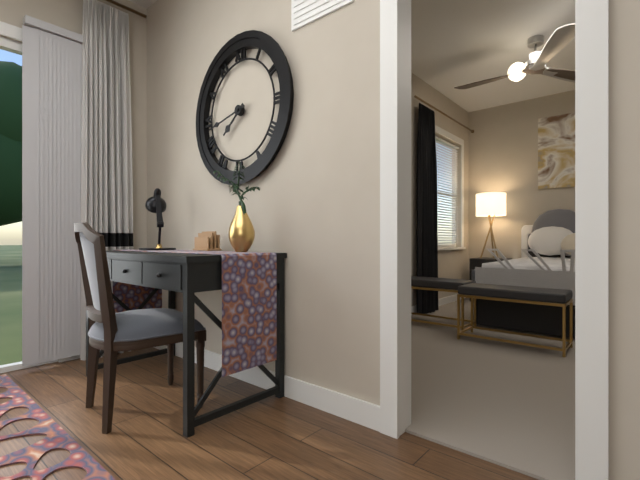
7:43
